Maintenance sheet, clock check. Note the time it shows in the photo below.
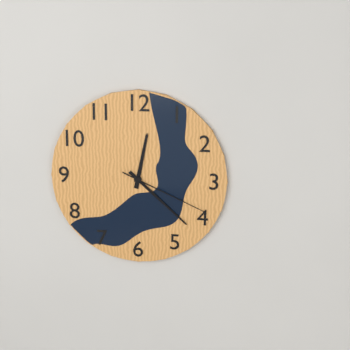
12:22:19
